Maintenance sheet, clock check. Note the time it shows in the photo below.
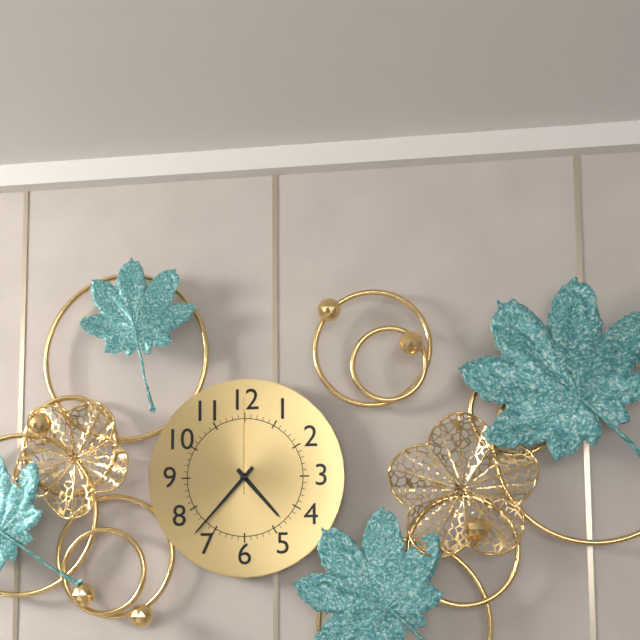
4:37:00
